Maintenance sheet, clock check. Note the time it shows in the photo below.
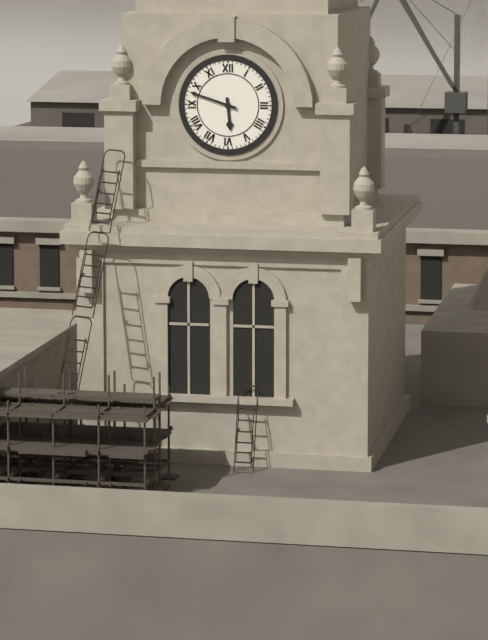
5:48
